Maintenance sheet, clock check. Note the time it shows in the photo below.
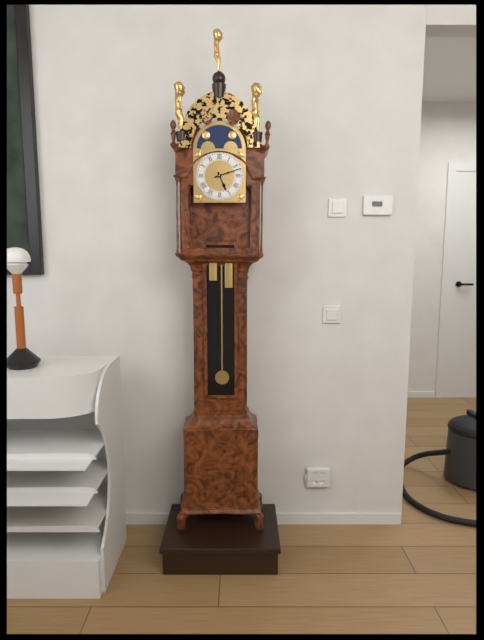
5:12
